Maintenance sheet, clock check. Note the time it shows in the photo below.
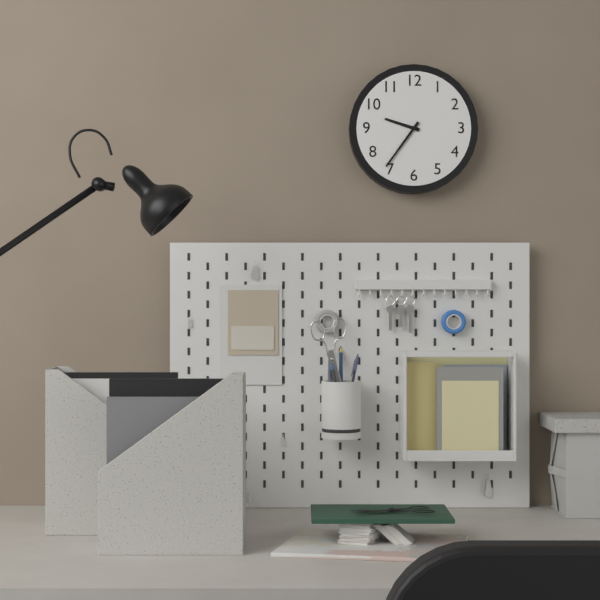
9:36
